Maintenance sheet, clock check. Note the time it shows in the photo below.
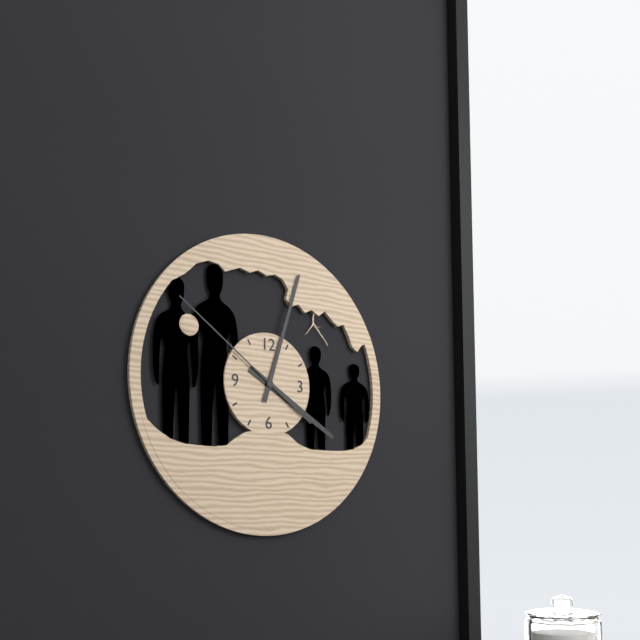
4:03:51
